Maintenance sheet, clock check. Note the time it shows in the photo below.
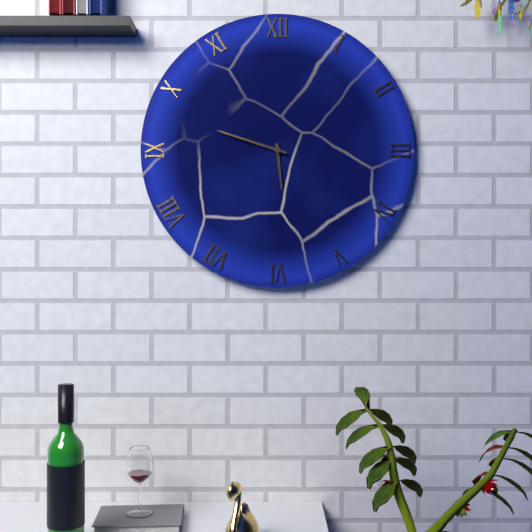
5:48
